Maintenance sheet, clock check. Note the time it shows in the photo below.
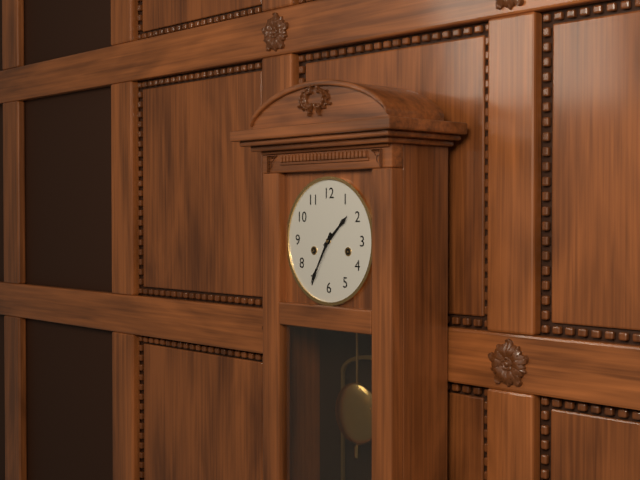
1:35
